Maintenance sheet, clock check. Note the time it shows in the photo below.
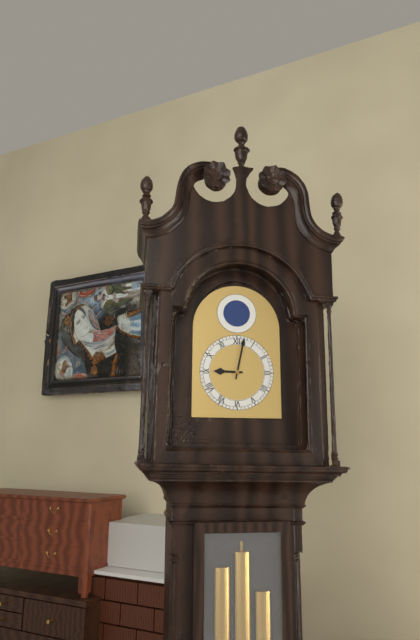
9:02
